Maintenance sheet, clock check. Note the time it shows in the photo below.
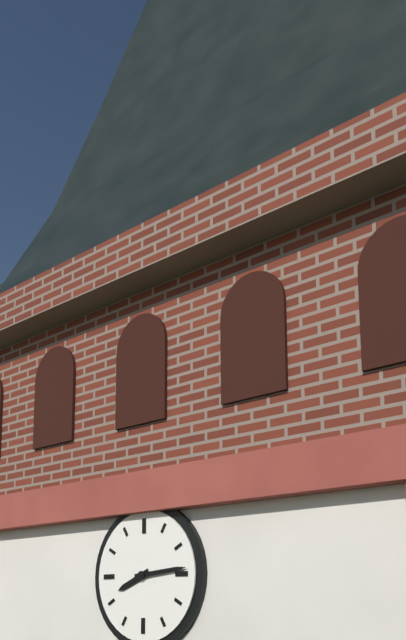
8:14
